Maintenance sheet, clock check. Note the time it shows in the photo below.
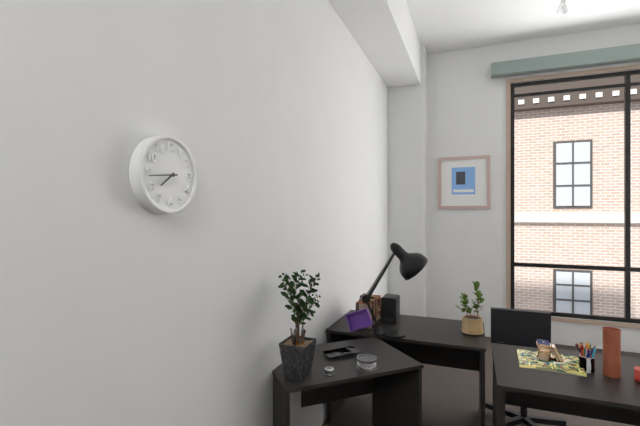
7:44
